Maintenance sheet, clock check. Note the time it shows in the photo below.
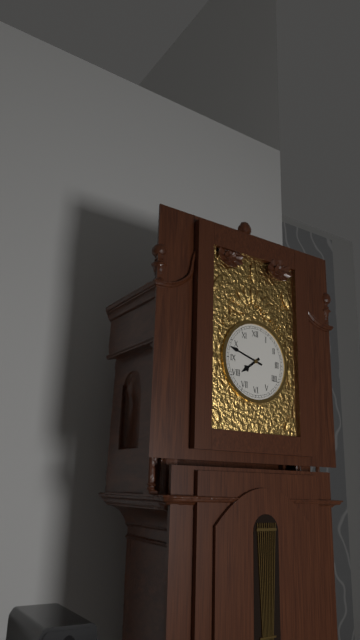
7:48
